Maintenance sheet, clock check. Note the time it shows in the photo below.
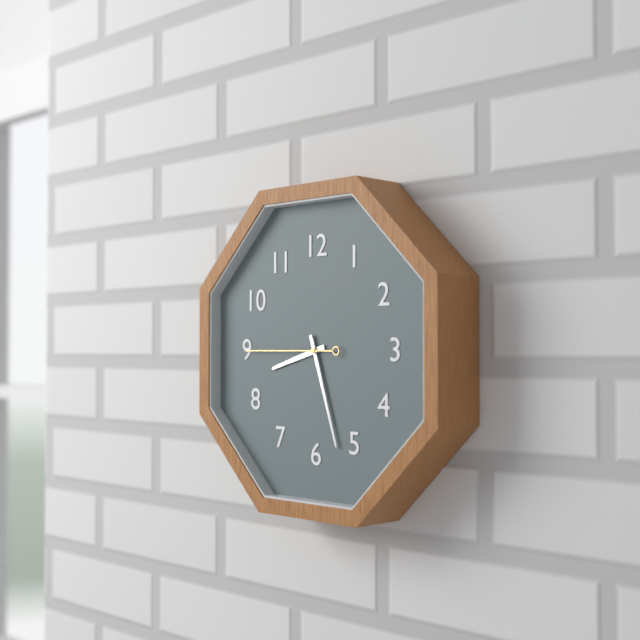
8:27:45
